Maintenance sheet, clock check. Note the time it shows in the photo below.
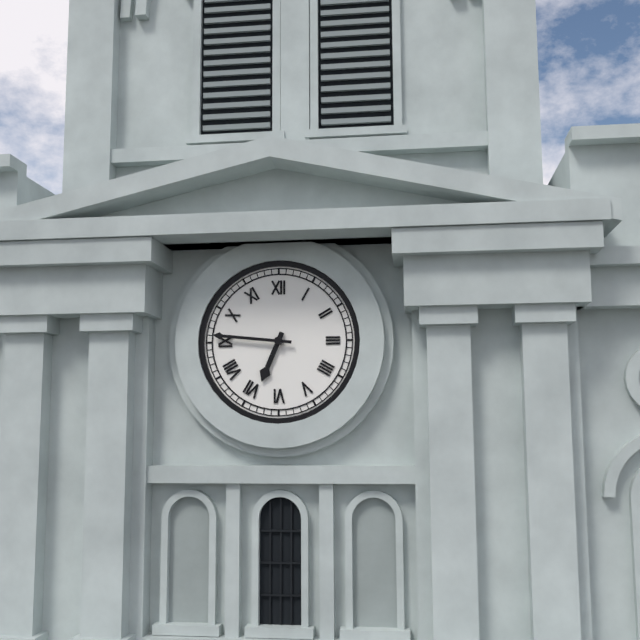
6:46
